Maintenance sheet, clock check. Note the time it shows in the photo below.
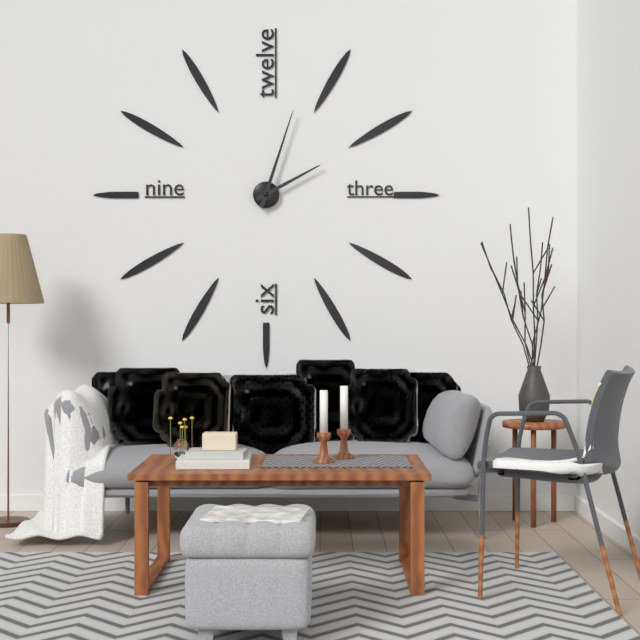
2:03
